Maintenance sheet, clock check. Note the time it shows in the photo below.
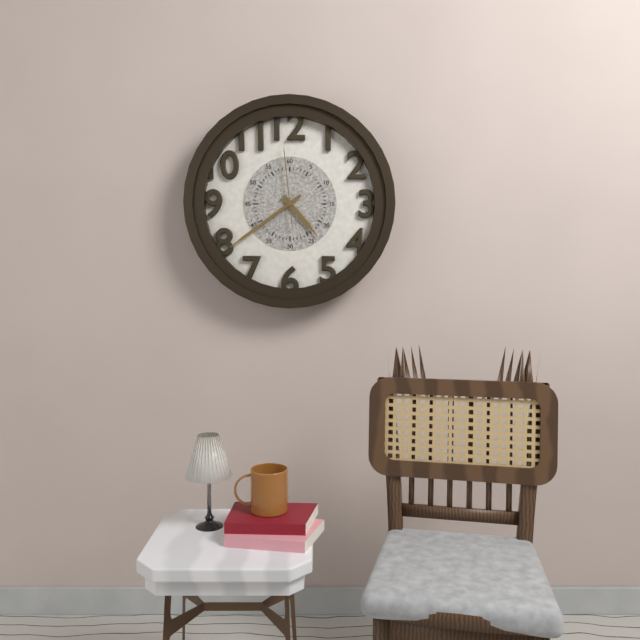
4:39:59
